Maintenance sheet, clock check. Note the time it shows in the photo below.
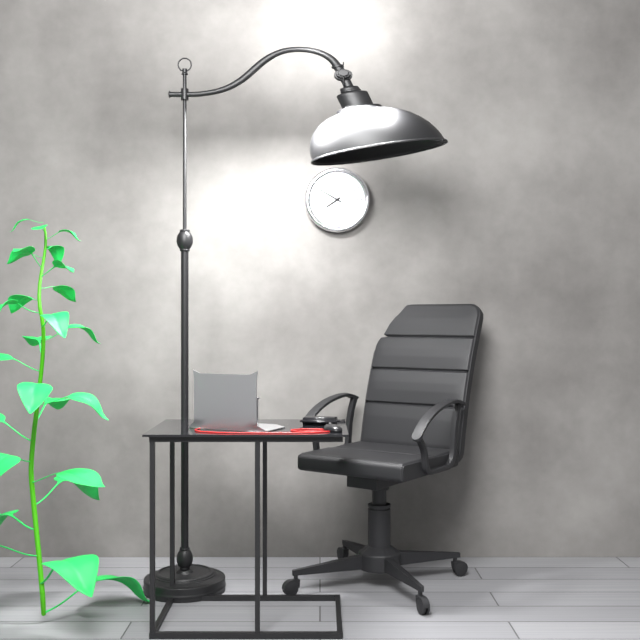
7:50
